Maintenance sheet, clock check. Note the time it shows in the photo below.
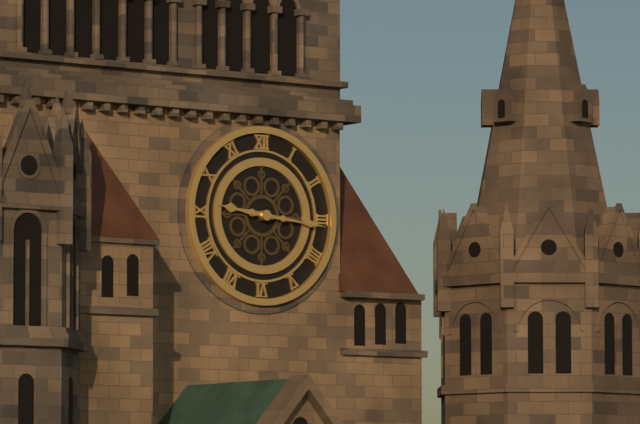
9:16
